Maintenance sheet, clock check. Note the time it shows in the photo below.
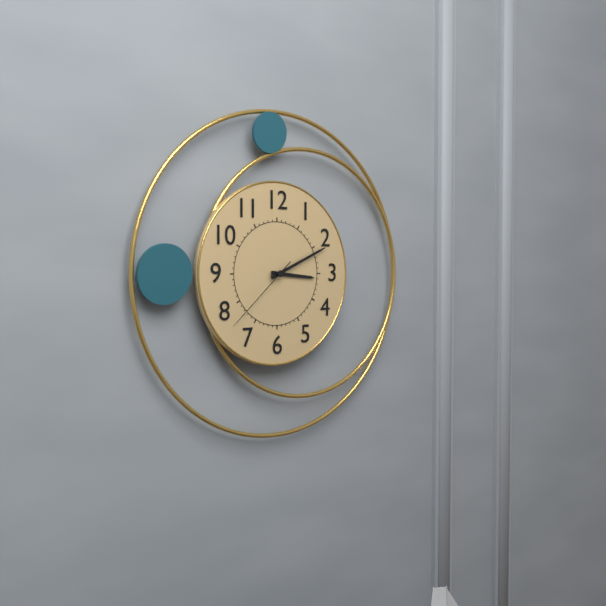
3:11:38
